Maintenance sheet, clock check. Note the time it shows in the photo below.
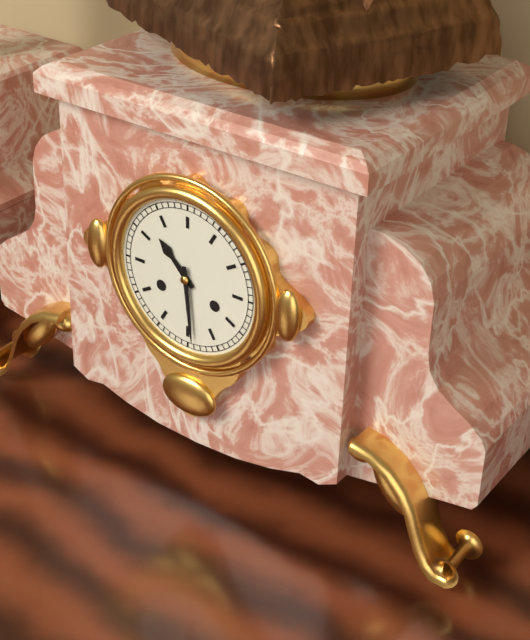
10:29
